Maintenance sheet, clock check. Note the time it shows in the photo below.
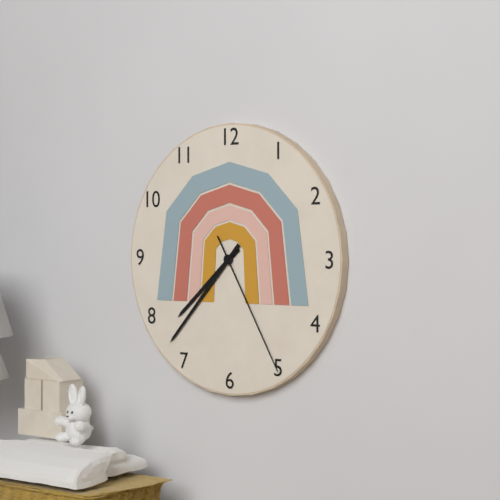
7:37:25
